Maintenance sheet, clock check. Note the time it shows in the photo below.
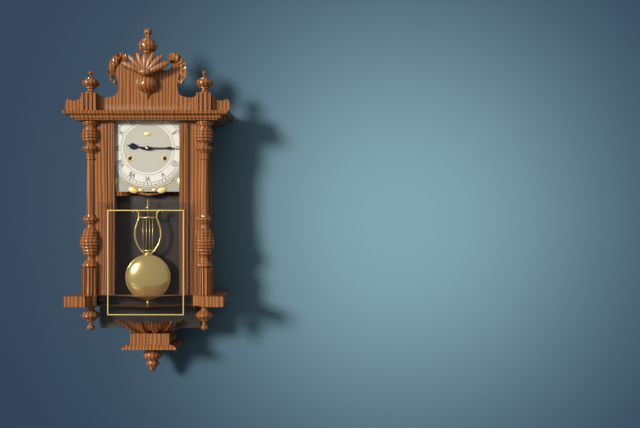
9:15
